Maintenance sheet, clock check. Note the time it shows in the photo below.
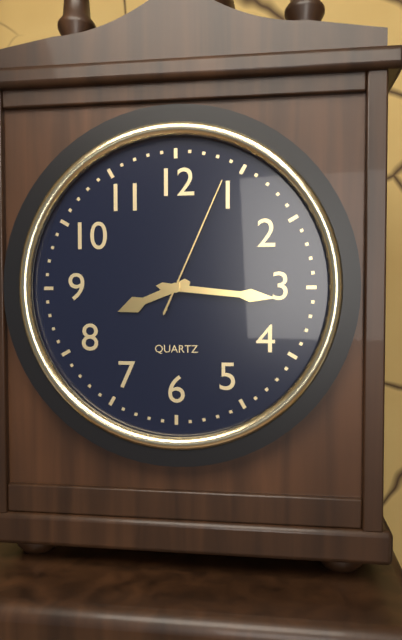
8:16:04
